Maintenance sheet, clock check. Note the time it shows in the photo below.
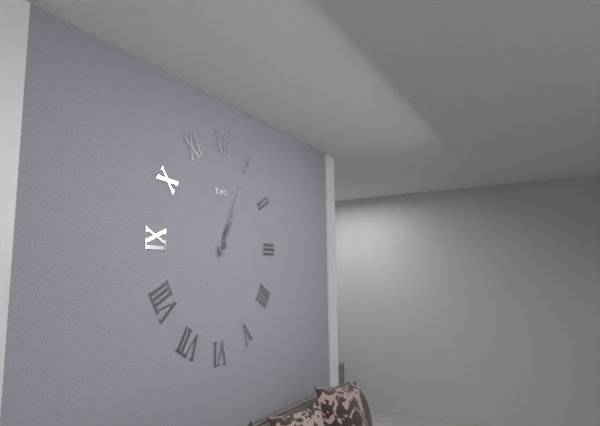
1:04
